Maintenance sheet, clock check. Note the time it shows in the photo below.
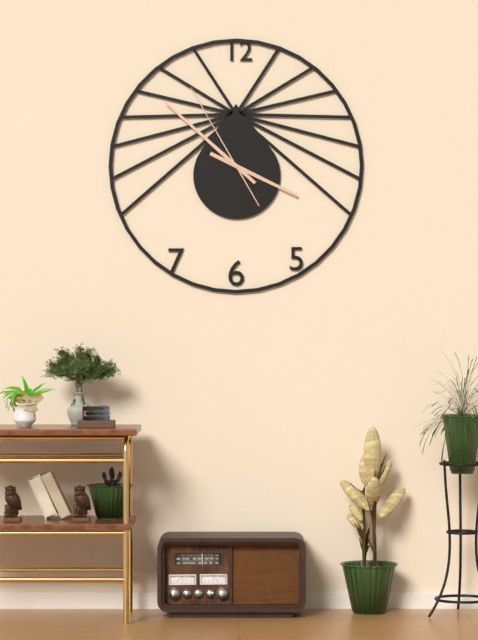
3:52:55
